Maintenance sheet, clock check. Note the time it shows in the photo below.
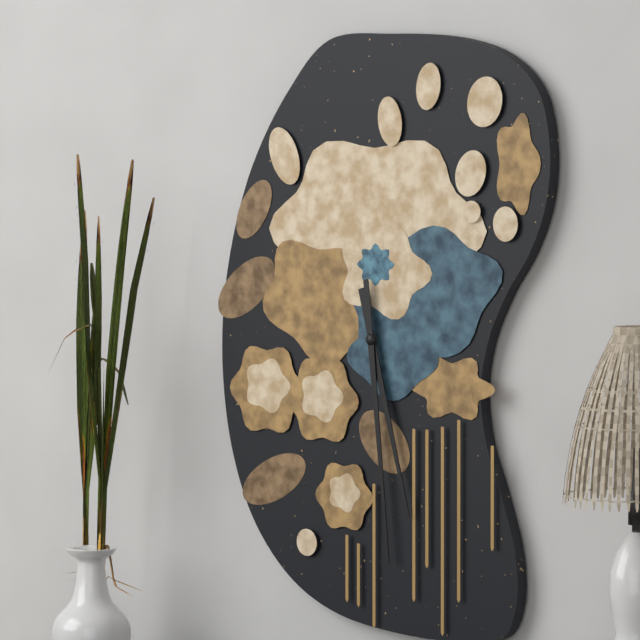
5:29
